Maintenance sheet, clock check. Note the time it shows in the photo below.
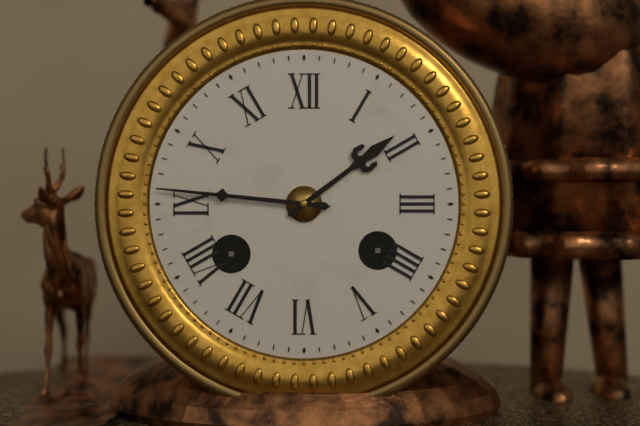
1:46
